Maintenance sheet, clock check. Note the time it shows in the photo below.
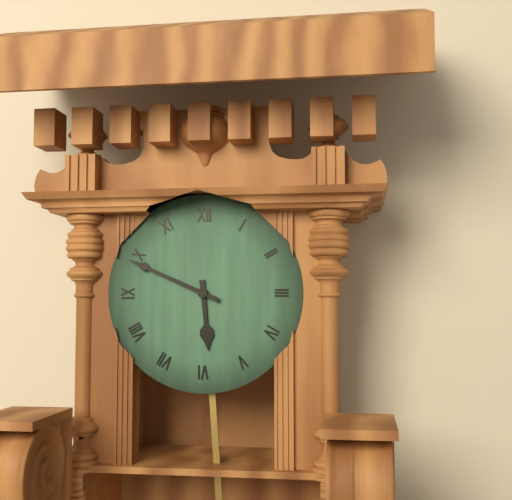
5:49
